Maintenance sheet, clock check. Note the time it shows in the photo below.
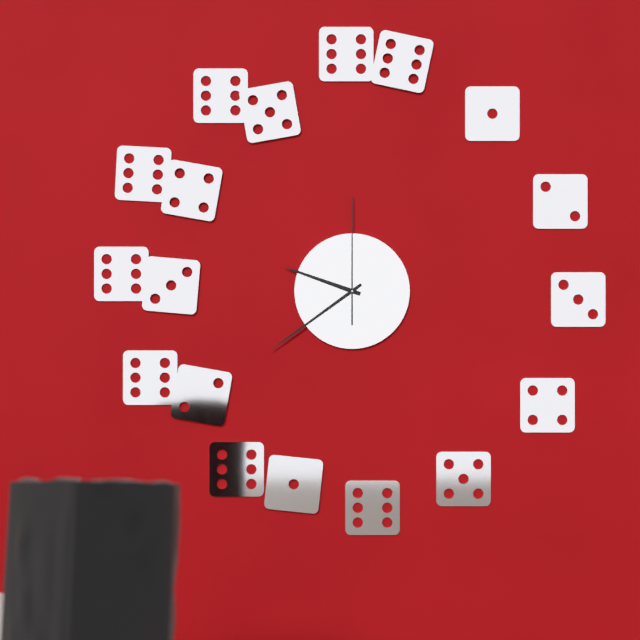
9:39:00
